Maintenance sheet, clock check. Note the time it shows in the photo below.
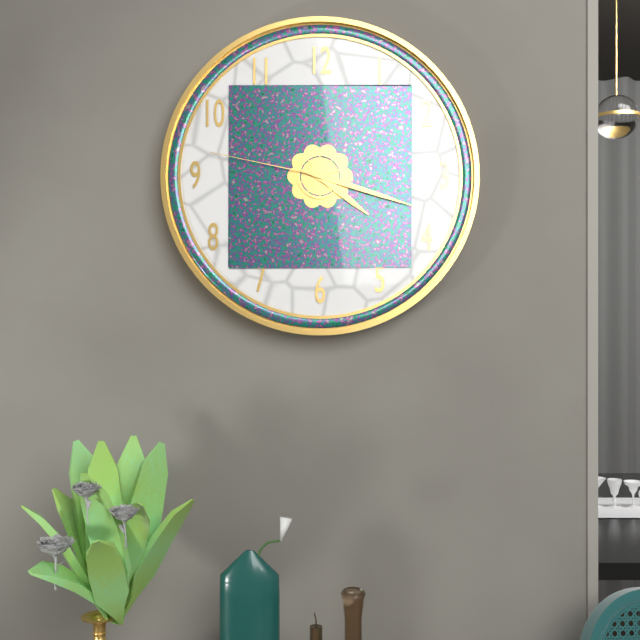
4:18:47
